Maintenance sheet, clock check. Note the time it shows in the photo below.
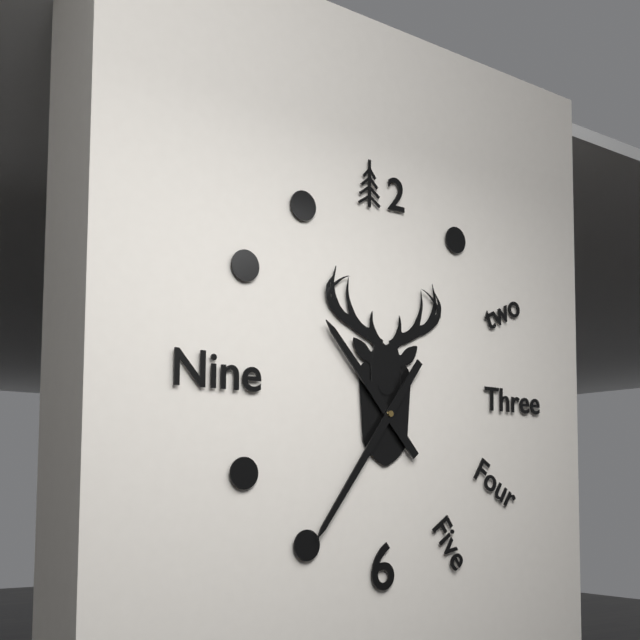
10:36
